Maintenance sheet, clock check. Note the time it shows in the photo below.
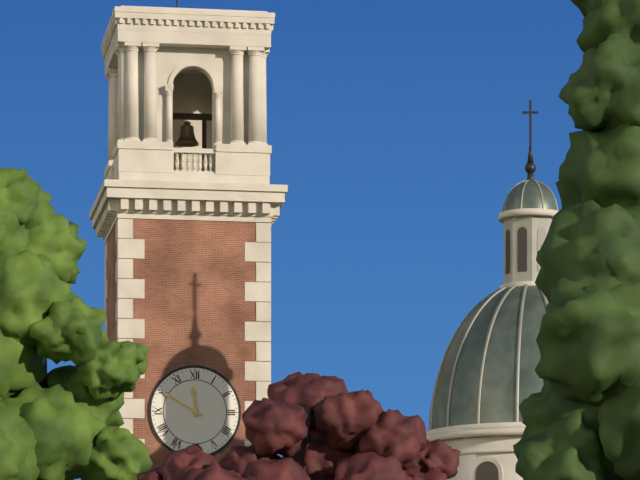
11:50
